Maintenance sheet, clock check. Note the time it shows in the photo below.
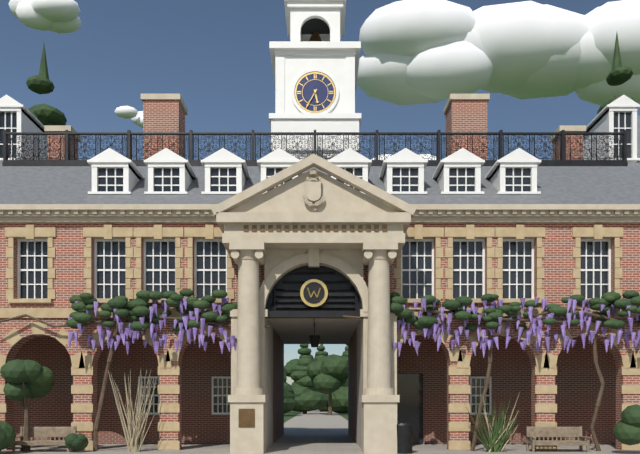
5:35
